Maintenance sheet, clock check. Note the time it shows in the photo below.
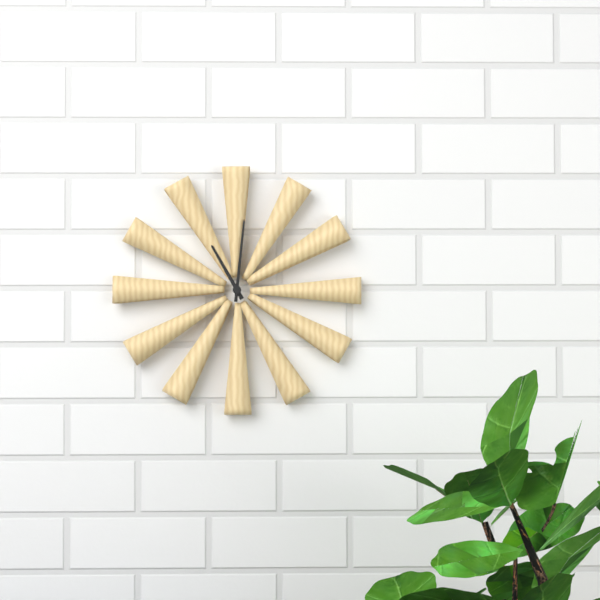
11:01
